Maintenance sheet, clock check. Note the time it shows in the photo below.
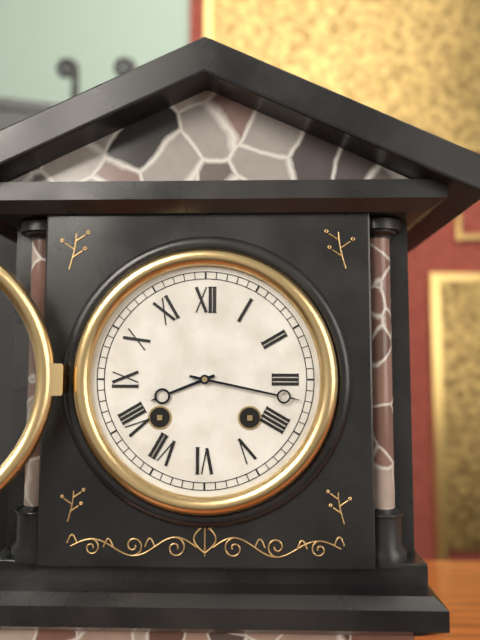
8:17
